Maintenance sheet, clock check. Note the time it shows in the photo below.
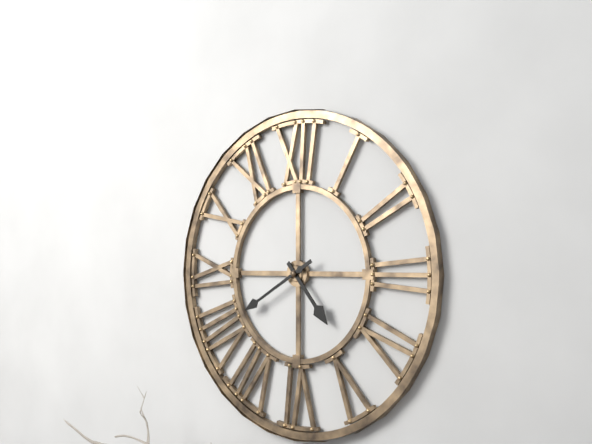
4:40
